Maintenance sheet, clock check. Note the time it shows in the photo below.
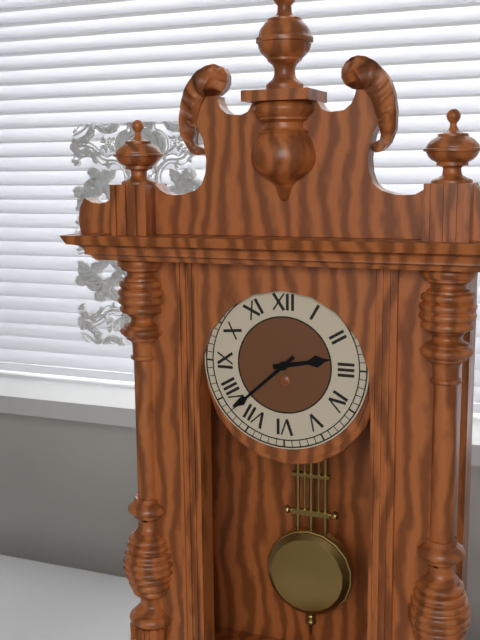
2:38
